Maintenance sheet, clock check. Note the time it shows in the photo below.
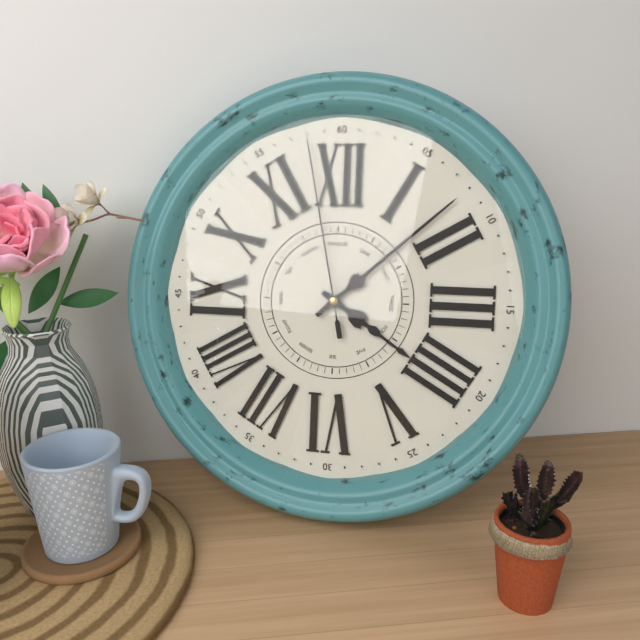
4:08:58
